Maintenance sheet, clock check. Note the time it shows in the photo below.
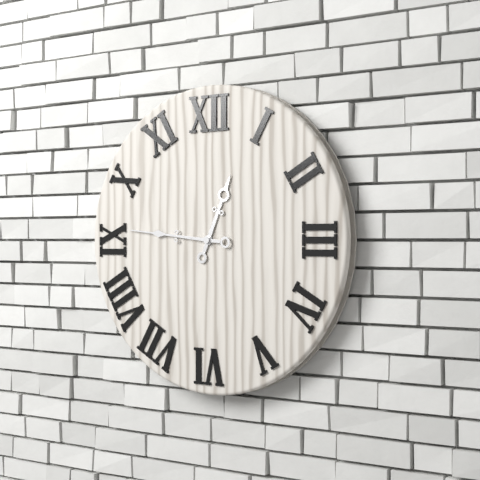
12:46
